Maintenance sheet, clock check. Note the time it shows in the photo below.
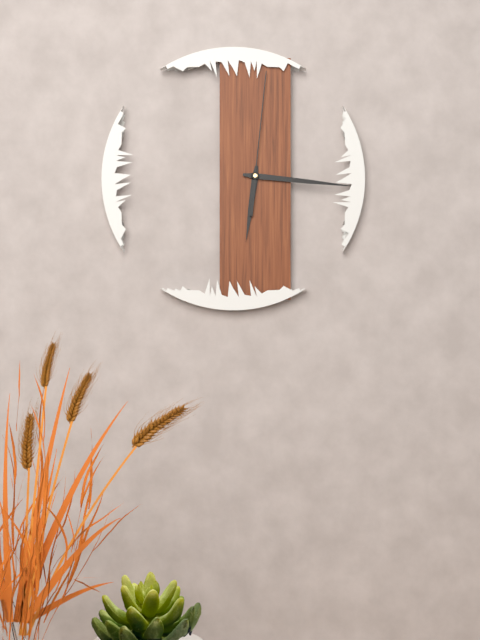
6:16:01
